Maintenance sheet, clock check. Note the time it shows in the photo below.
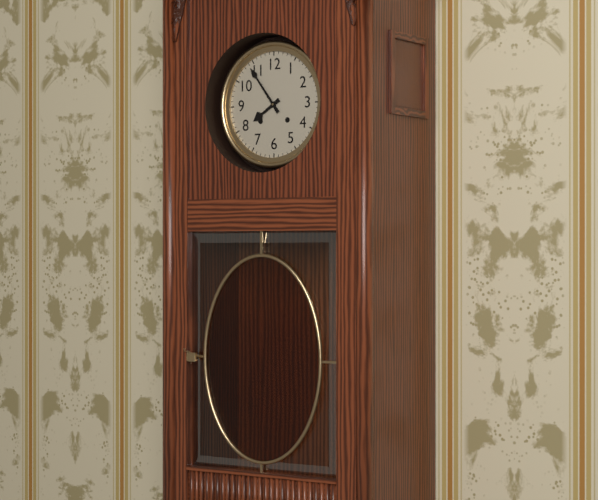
7:54
